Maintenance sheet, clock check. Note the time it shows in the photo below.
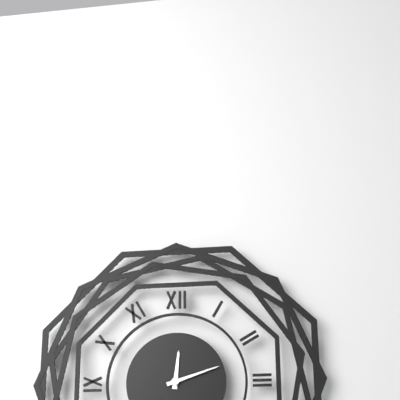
12:12
